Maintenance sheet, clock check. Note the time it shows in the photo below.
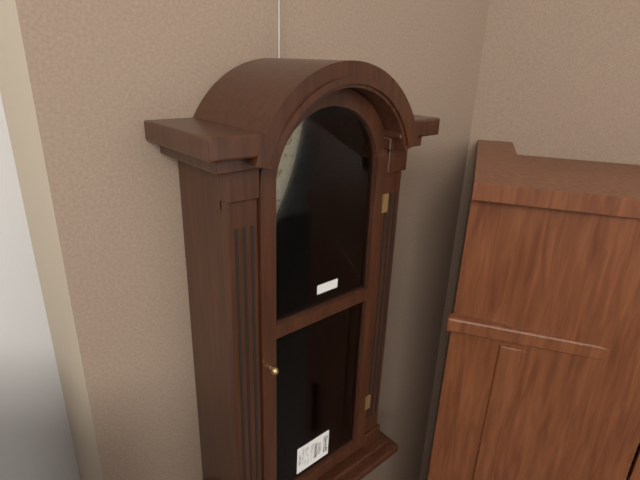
10:14
